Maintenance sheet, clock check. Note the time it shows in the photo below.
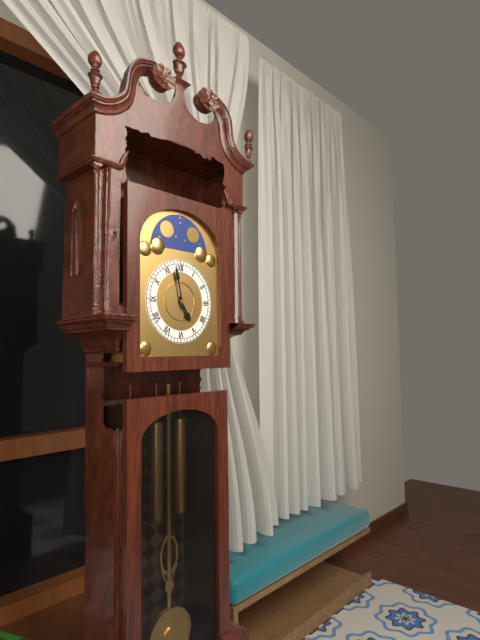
4:58
